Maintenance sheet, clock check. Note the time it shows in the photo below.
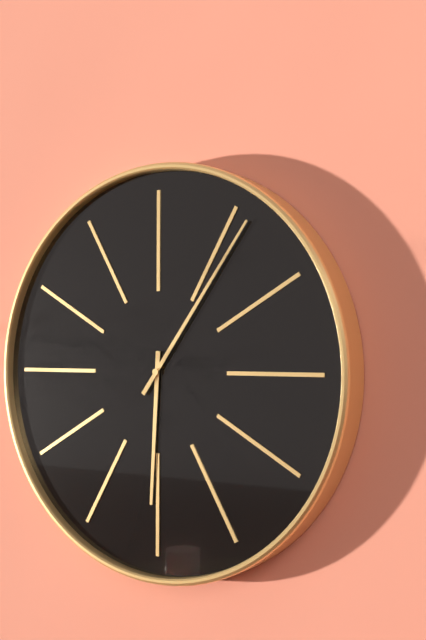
6:06
